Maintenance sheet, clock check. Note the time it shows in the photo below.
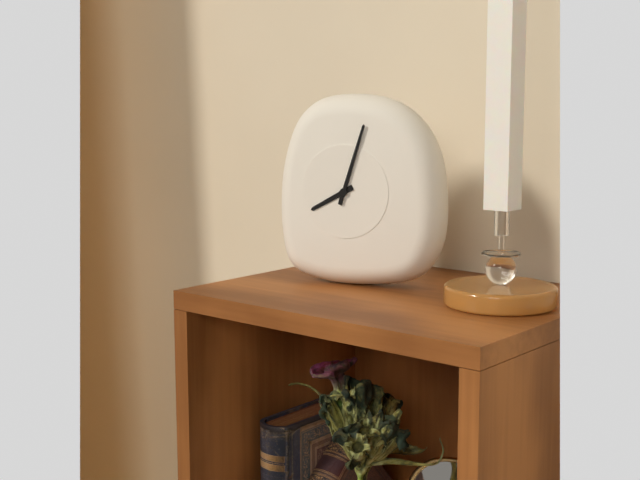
8:03
